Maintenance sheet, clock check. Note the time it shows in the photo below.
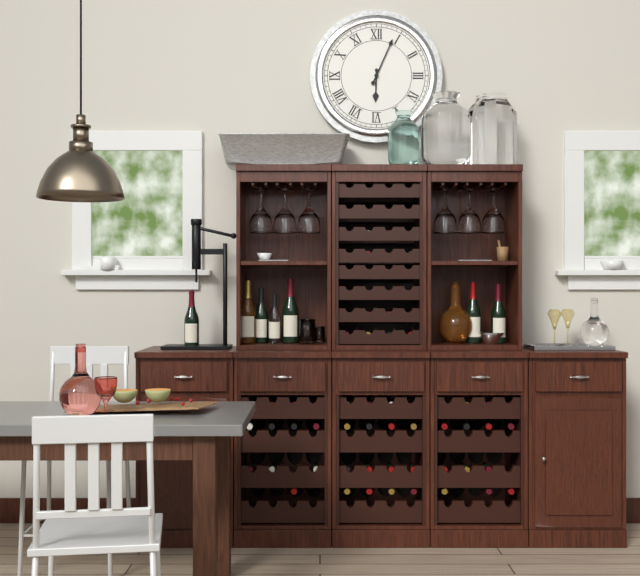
6:04
